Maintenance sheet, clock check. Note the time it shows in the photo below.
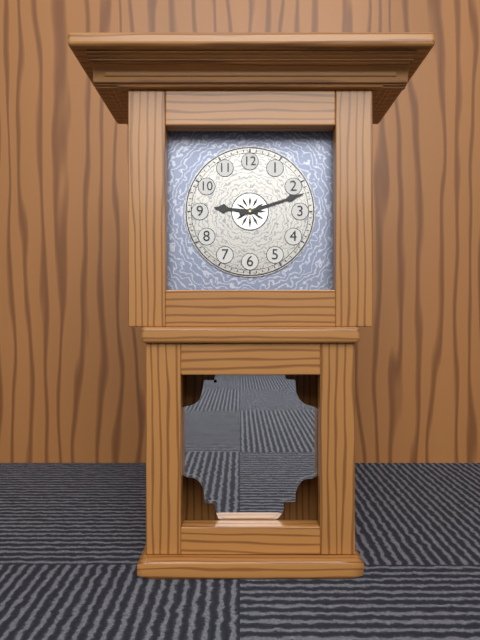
9:12
